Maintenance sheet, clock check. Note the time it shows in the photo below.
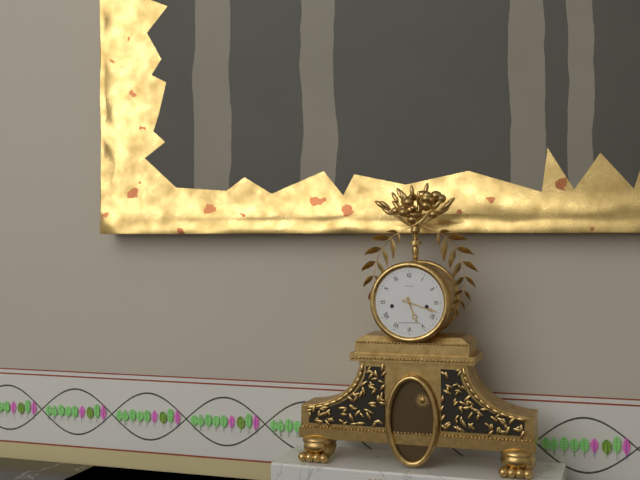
5:18
